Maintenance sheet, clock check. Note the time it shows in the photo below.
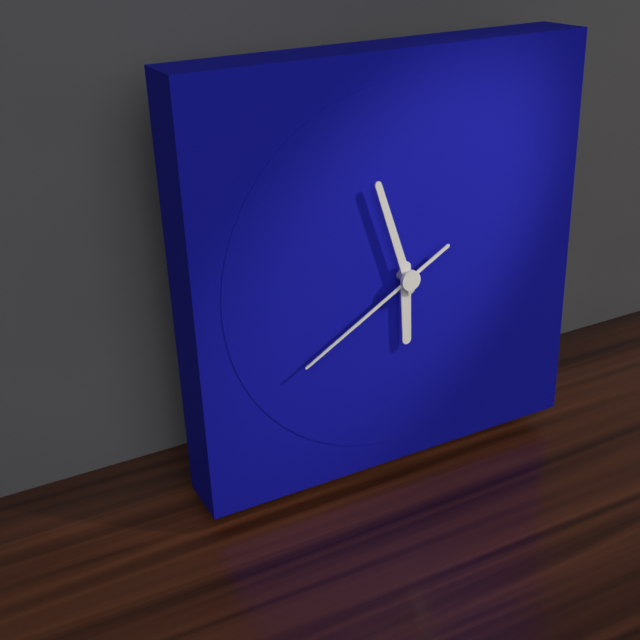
5:57:40
